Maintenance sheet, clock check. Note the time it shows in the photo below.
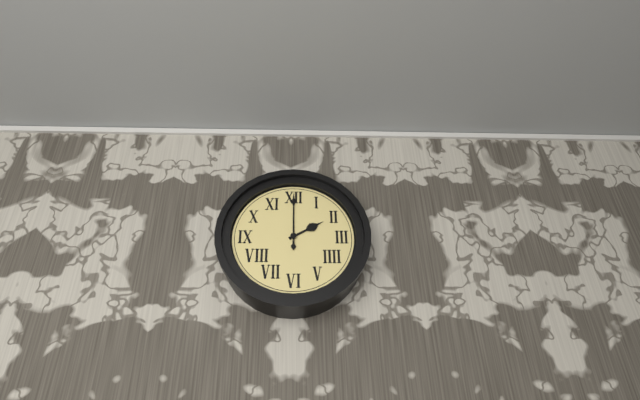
2:00
